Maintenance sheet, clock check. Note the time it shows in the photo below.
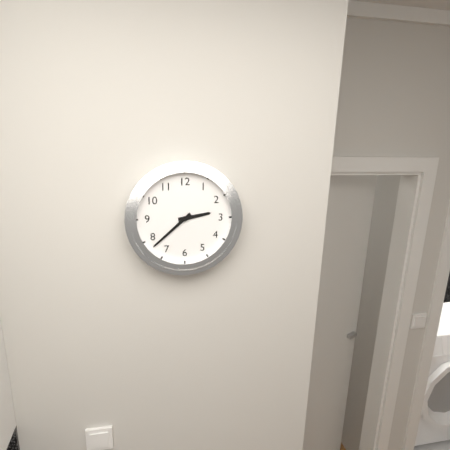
2:38
